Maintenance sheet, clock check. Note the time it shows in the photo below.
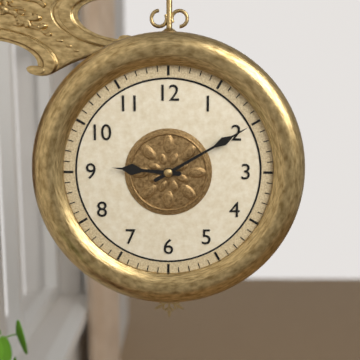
9:10
